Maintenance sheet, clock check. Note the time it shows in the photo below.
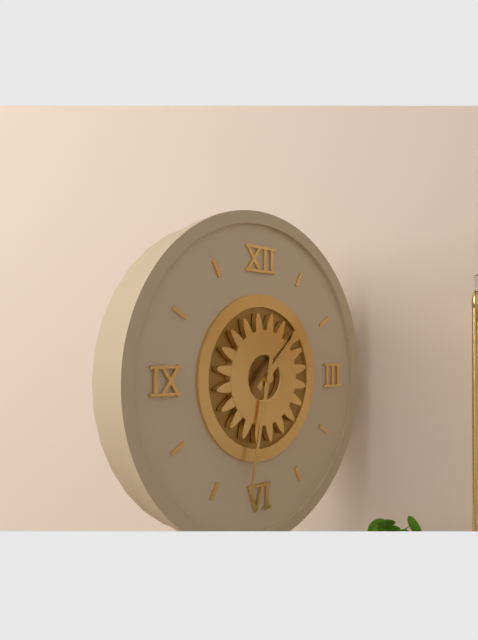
1:32
